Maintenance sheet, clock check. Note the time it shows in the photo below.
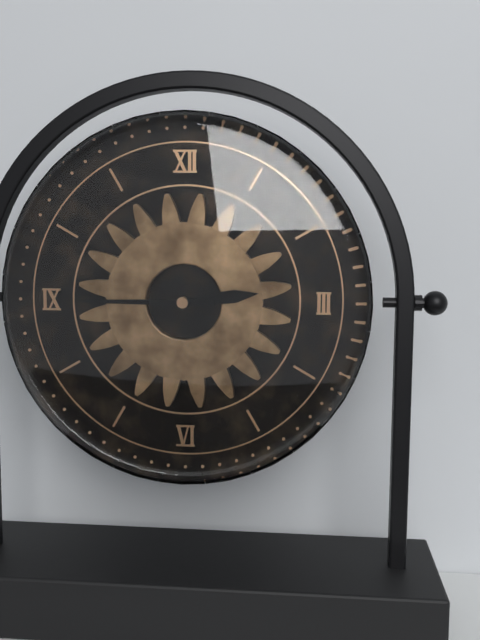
2:45
